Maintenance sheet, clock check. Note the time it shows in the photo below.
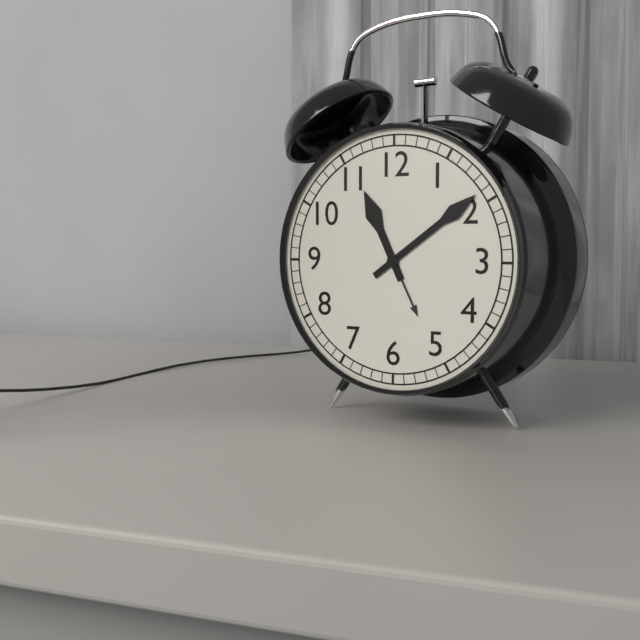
11:09
